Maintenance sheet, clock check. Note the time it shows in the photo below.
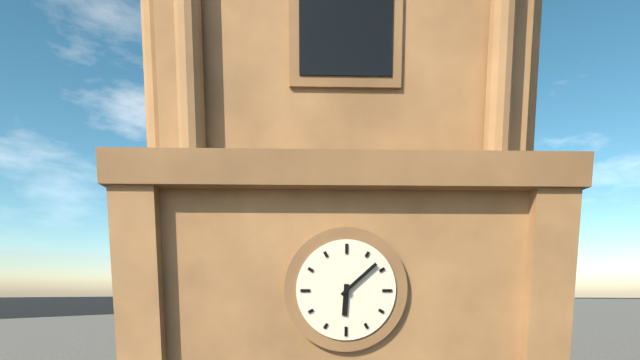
6:08
